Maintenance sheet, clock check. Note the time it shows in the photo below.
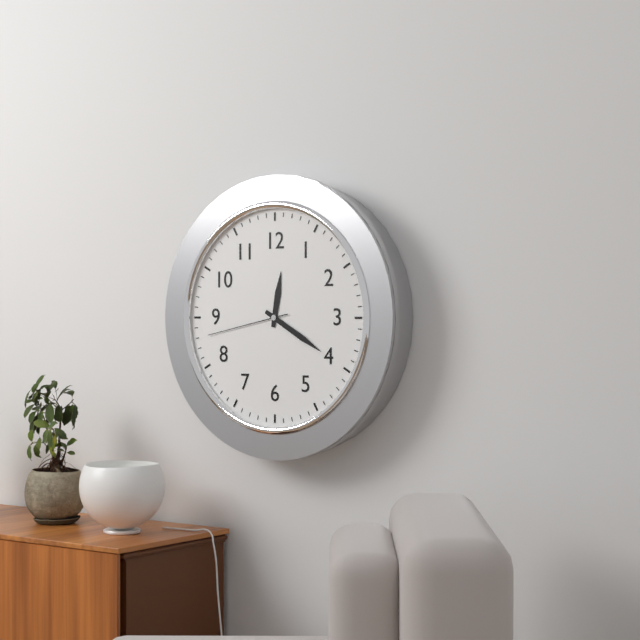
12:20:43
